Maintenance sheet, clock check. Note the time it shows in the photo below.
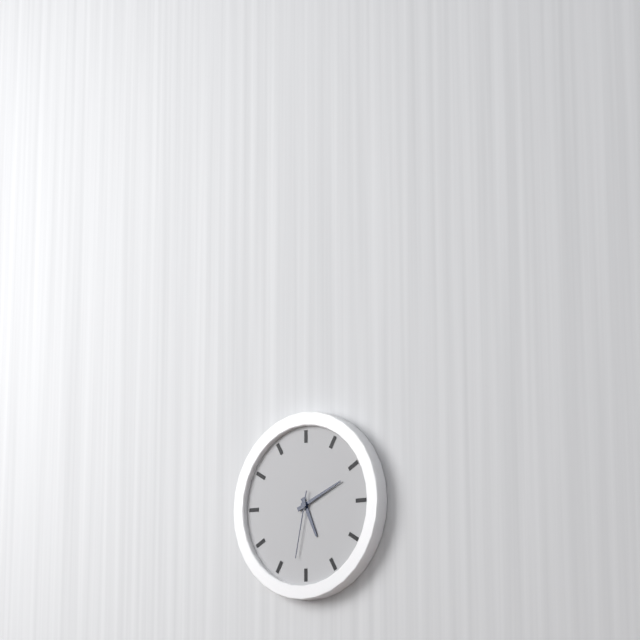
5:11:32
